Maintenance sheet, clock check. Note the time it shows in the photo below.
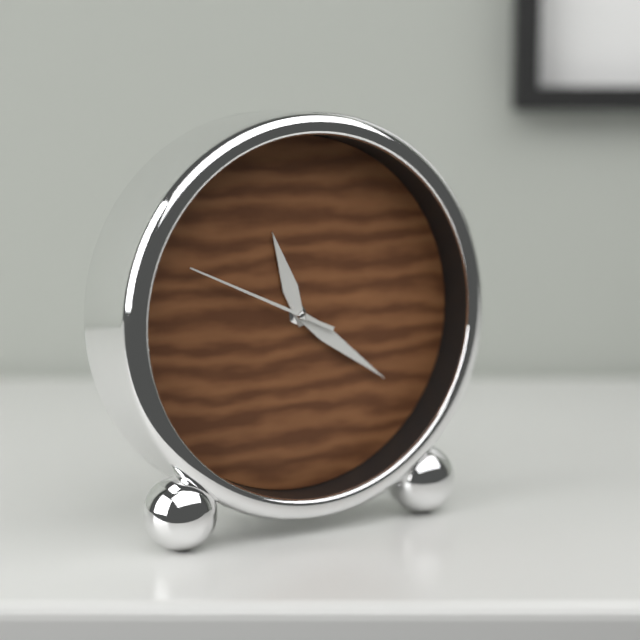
11:21:49
